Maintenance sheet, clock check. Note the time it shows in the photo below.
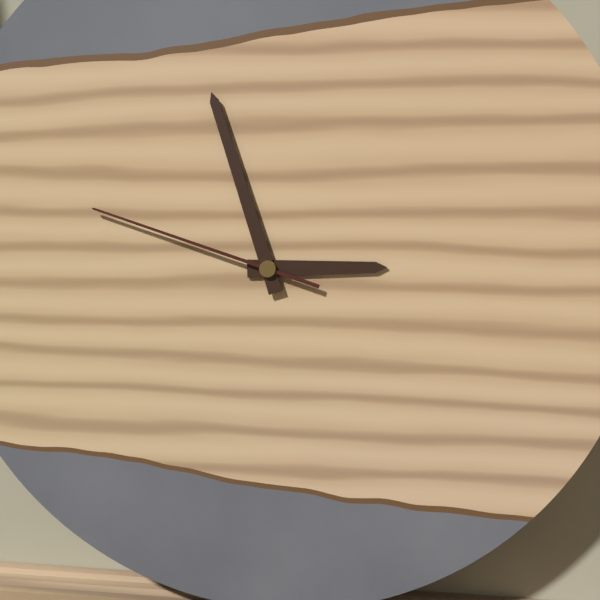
2:57:48
